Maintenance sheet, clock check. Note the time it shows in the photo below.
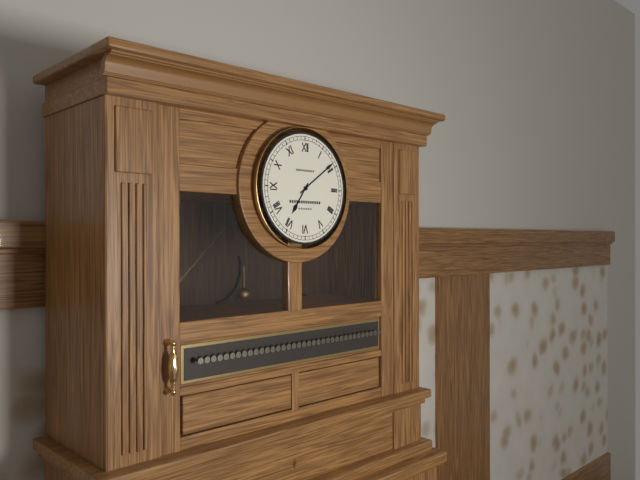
7:09
